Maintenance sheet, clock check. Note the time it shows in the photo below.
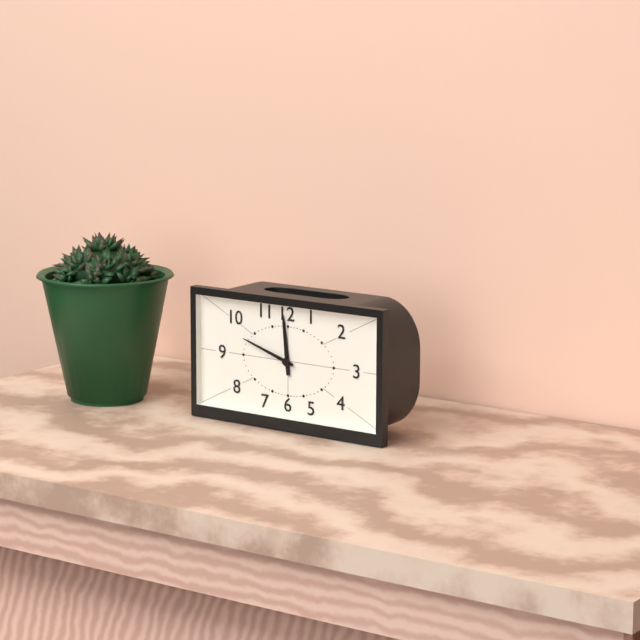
11:48
